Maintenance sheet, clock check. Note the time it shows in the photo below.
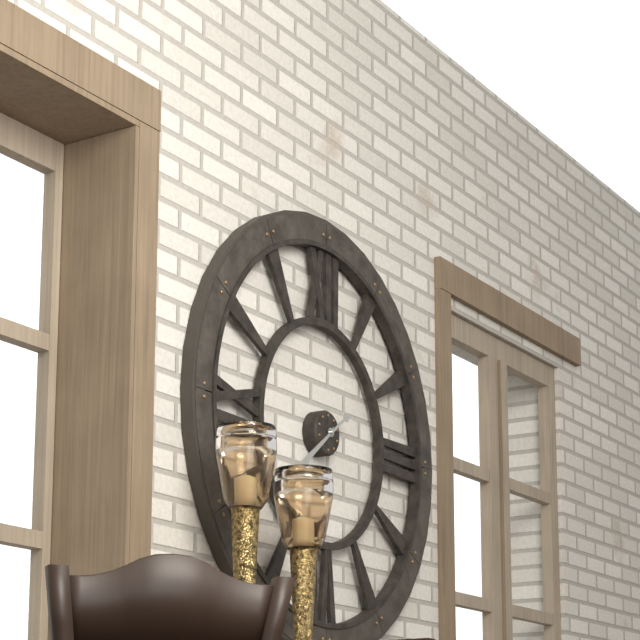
7:39
